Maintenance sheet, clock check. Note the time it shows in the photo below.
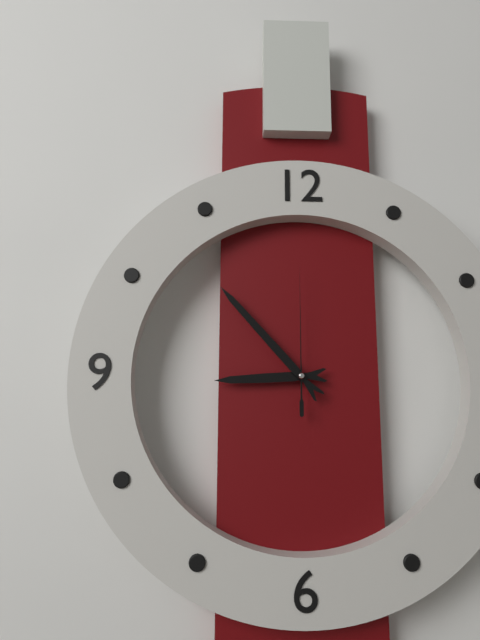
8:53:00
